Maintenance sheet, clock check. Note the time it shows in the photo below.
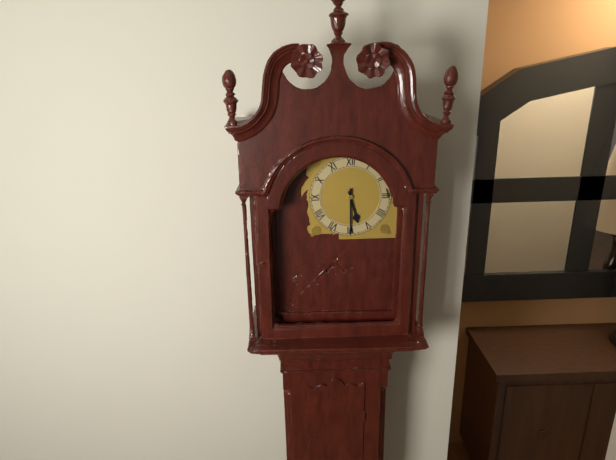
5:30
